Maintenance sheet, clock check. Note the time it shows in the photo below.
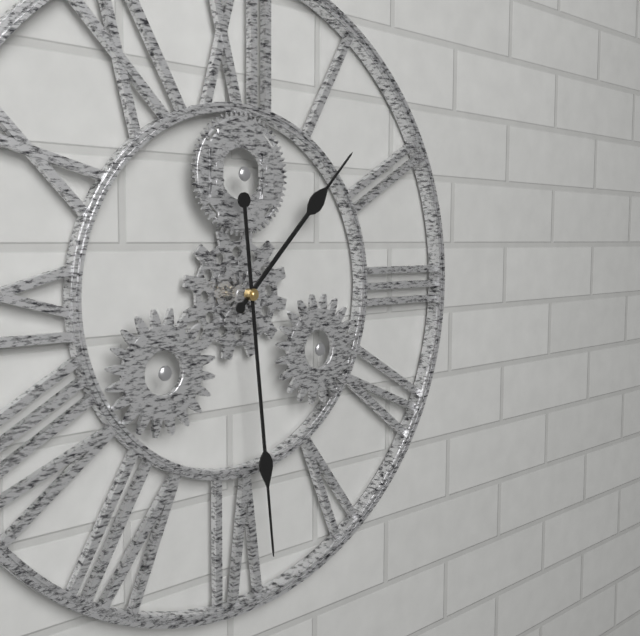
1:29
